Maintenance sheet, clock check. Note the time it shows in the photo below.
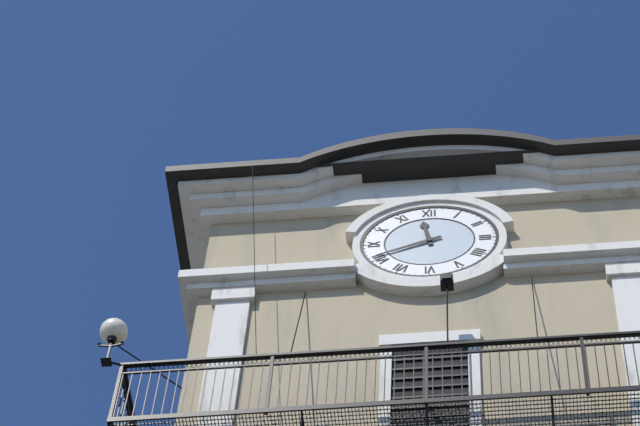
11:41
